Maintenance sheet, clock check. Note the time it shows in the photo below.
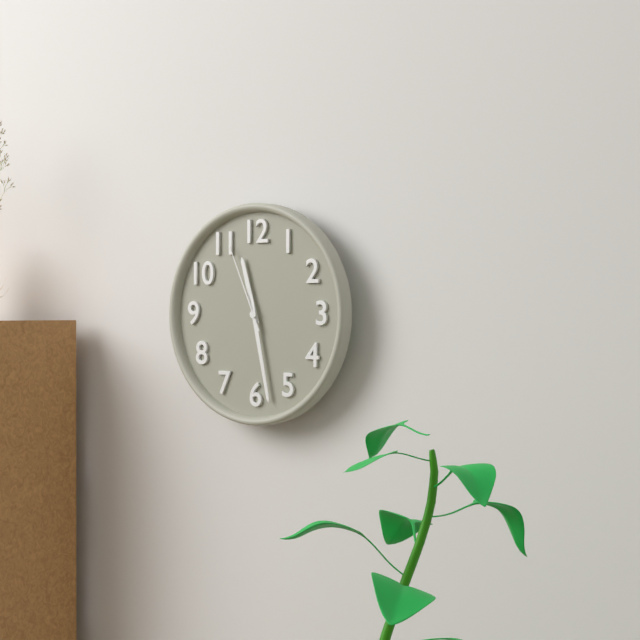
11:28:56
